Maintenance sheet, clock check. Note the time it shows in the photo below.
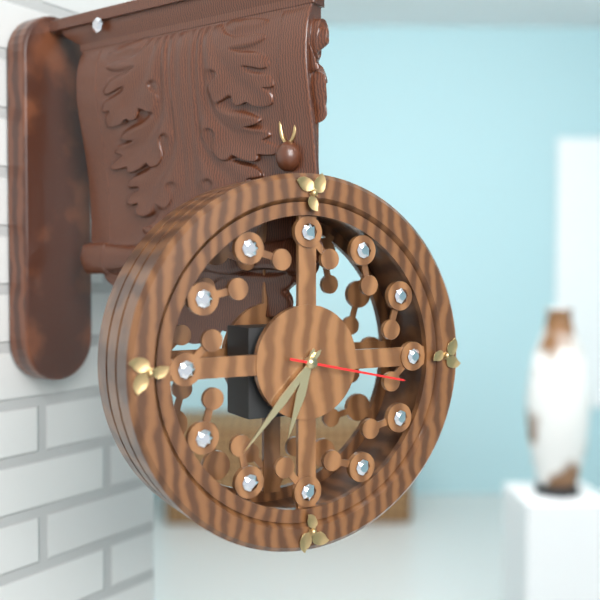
6:37:17
